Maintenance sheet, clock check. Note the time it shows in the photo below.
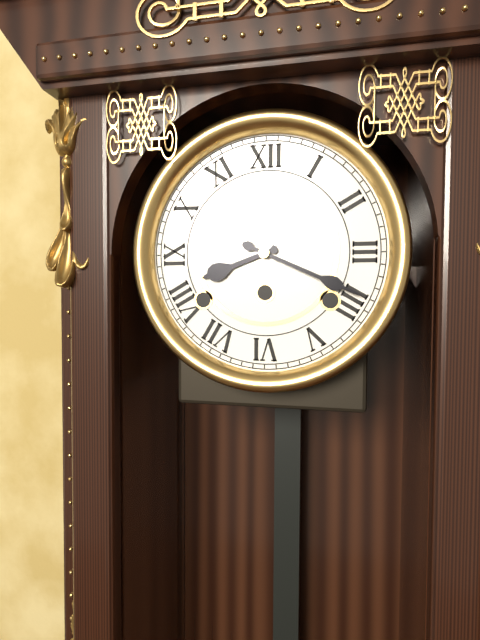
8:19
